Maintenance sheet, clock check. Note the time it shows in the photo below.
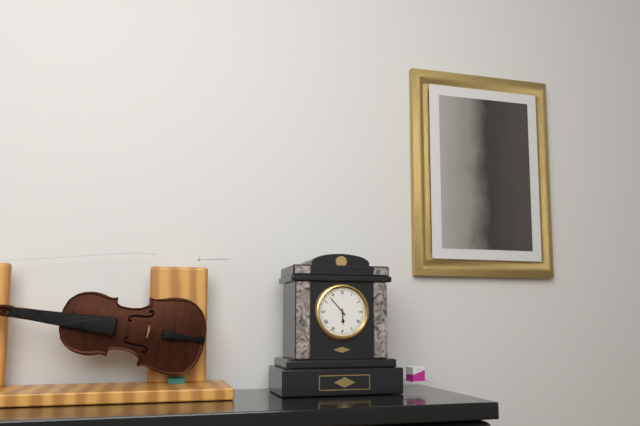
5:53
